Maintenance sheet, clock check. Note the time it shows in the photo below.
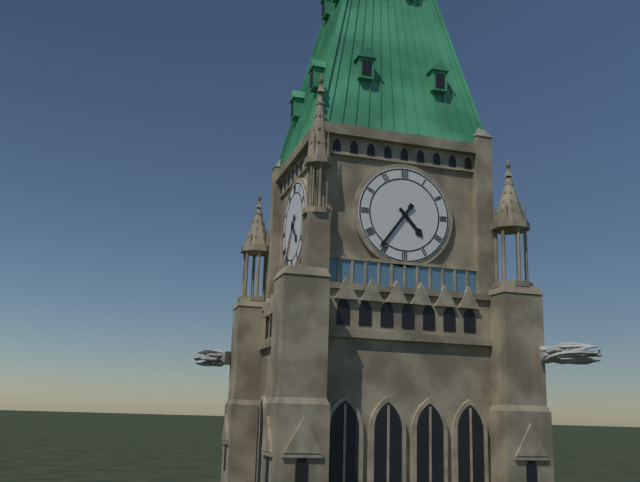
4:36
